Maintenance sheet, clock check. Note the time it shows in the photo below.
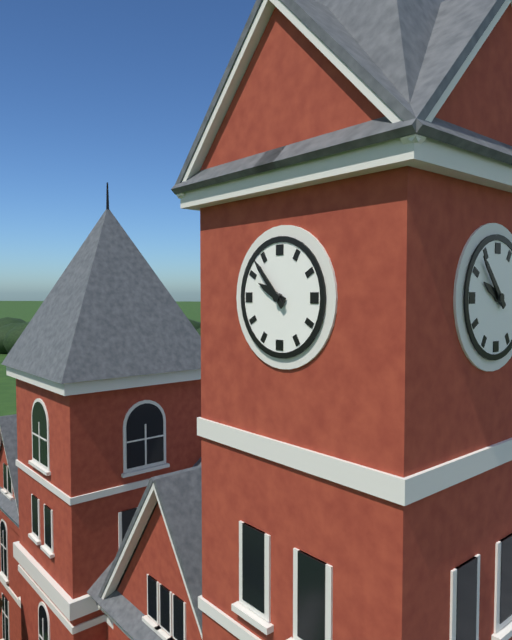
9:53
